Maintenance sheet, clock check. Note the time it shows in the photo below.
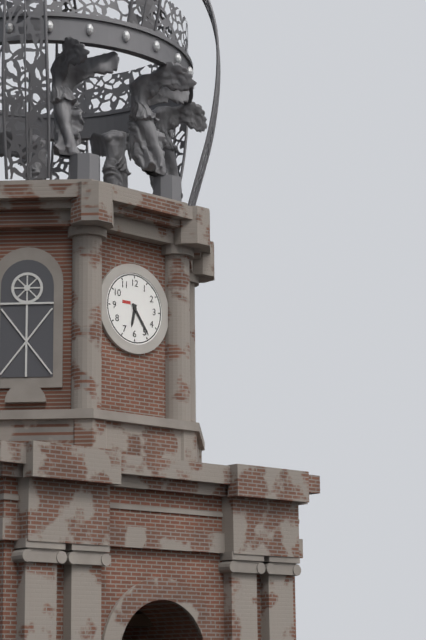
6:24
